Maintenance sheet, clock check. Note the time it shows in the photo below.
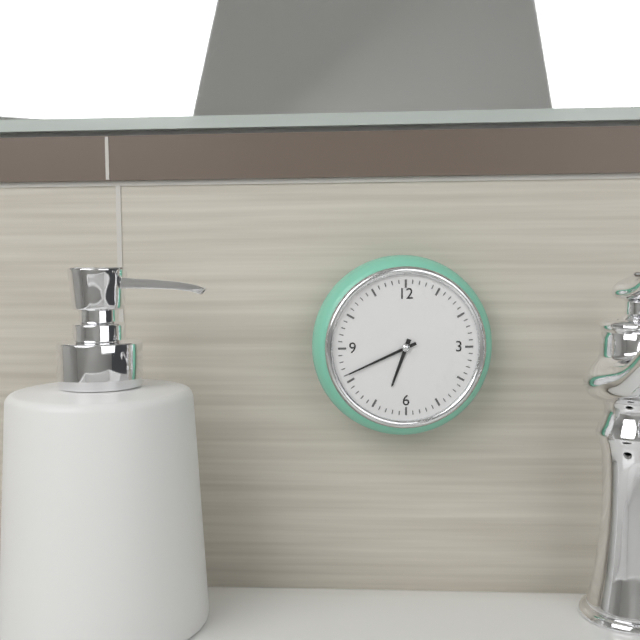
6:41
